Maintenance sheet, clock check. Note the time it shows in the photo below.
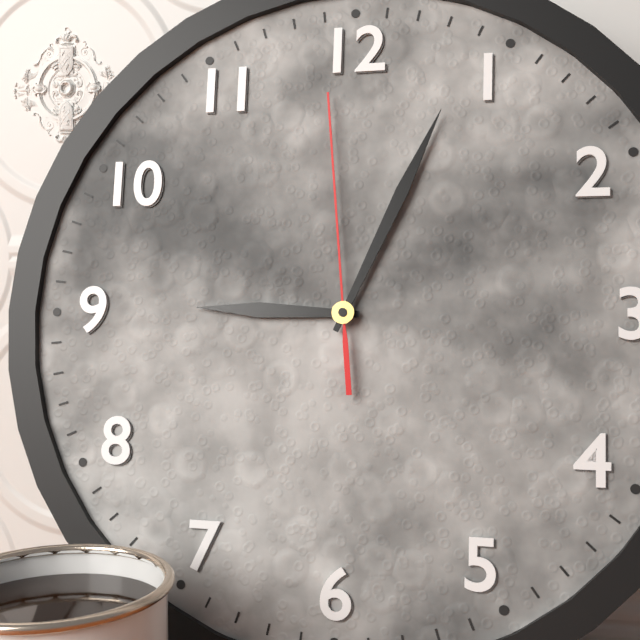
9:04:59
